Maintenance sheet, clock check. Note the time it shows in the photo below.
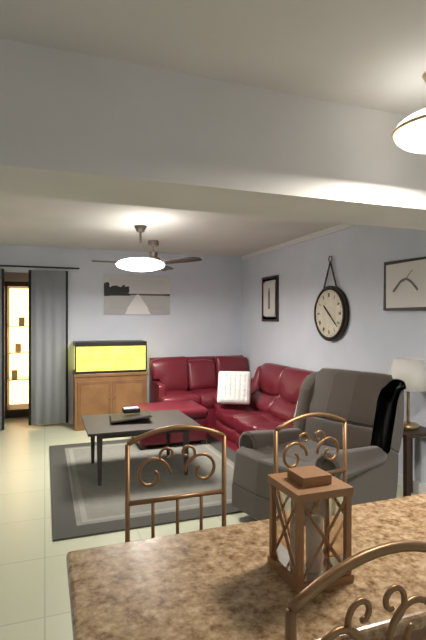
10:22
